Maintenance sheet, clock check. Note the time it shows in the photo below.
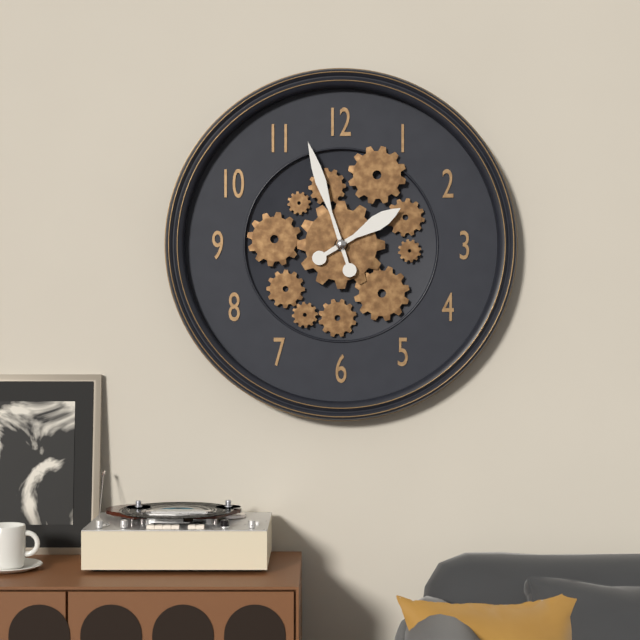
1:57
